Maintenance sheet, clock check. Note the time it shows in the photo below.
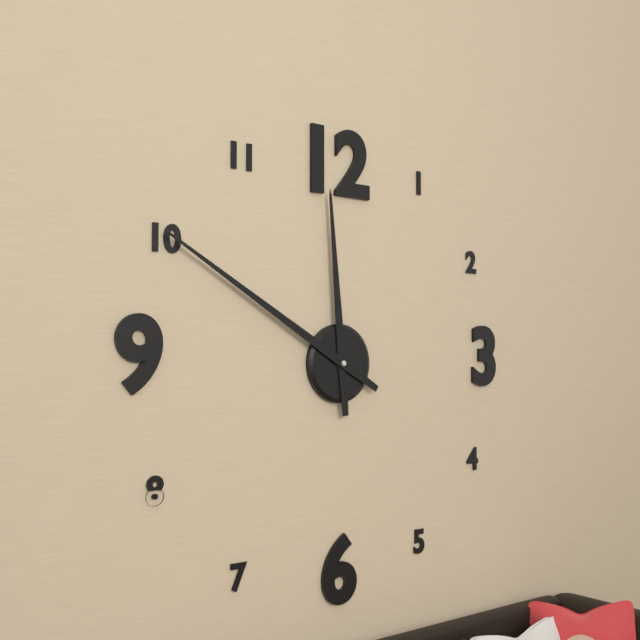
11:50
